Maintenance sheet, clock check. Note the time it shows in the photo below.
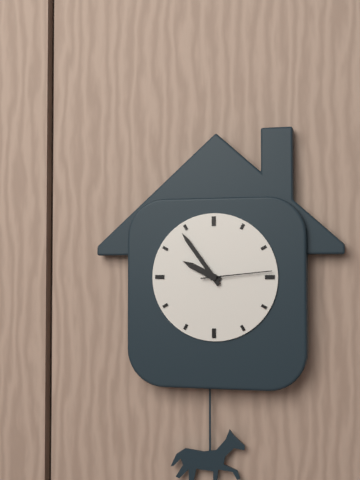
9:54:14
